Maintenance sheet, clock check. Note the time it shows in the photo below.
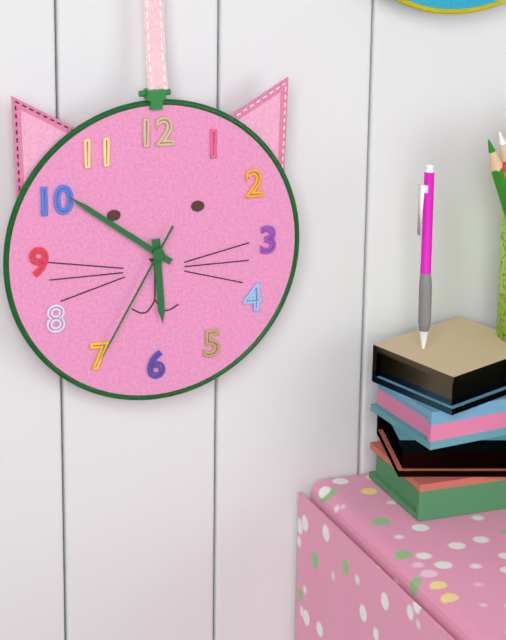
5:51:35
